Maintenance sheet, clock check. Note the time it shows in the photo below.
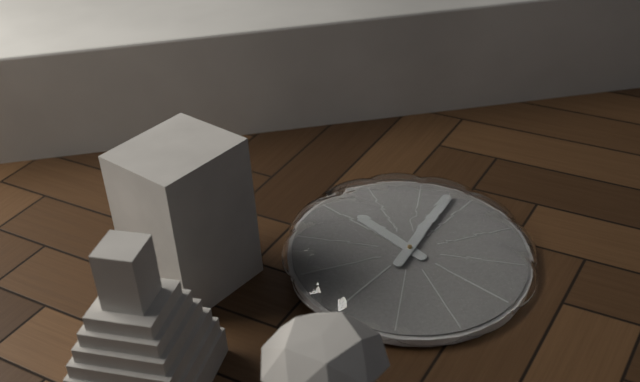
12:13
